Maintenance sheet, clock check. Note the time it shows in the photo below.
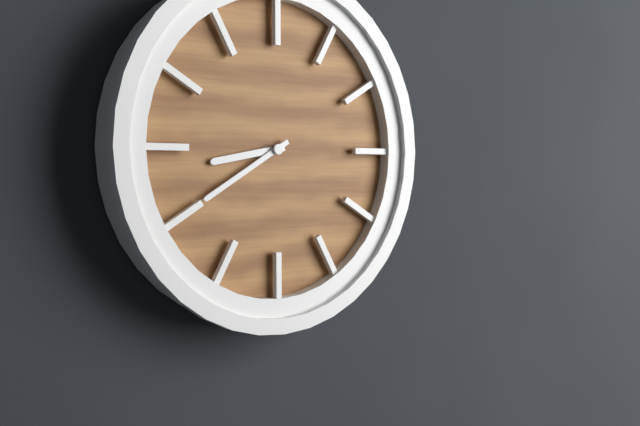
8:40
